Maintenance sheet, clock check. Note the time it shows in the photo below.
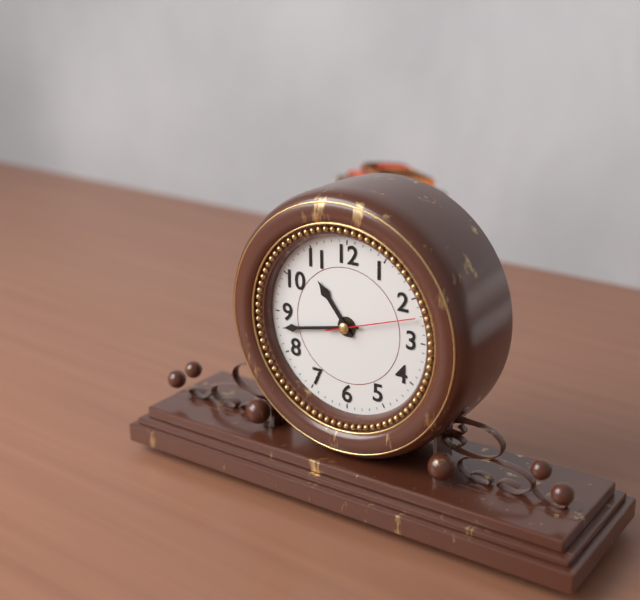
10:43:12
